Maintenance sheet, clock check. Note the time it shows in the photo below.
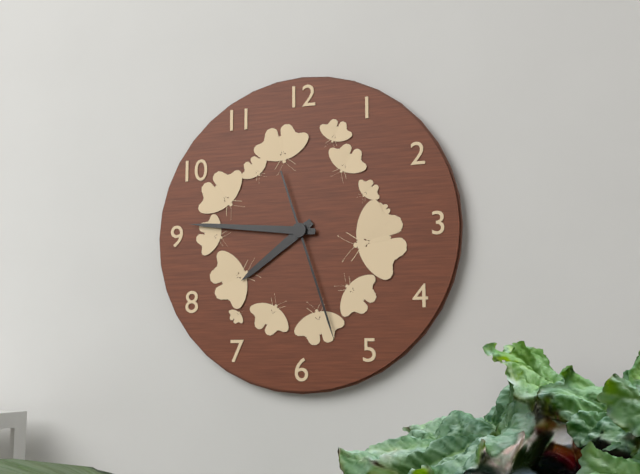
7:46:27
